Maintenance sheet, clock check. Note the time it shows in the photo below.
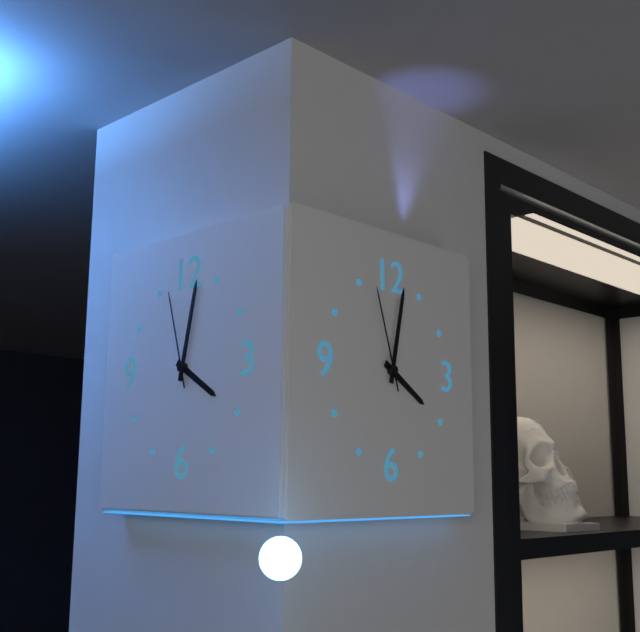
4:02:57
